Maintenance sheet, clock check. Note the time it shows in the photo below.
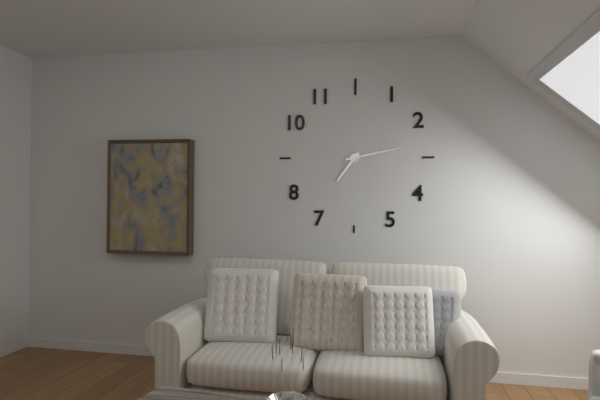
7:13
